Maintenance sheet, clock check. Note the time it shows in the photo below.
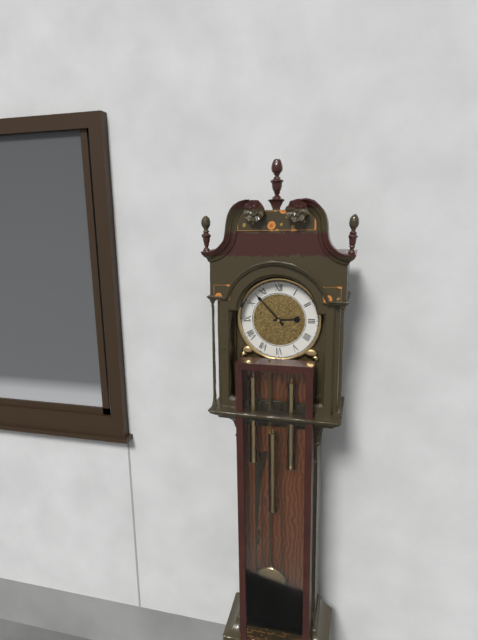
2:53
